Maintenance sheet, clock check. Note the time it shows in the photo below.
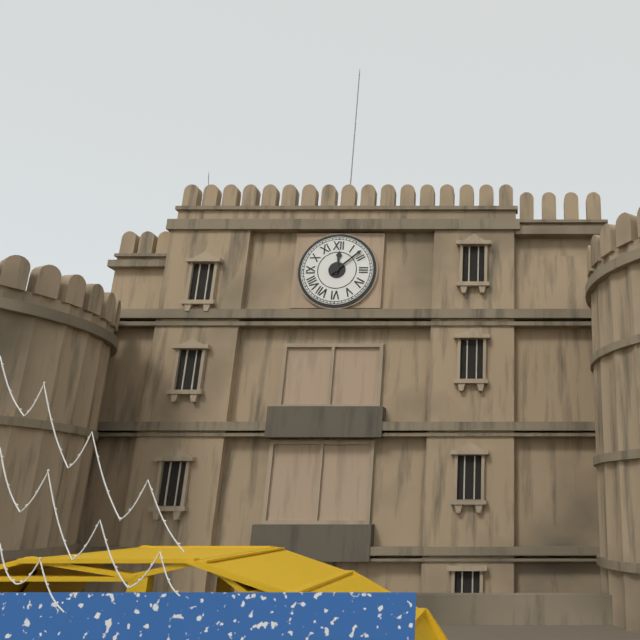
12:08
